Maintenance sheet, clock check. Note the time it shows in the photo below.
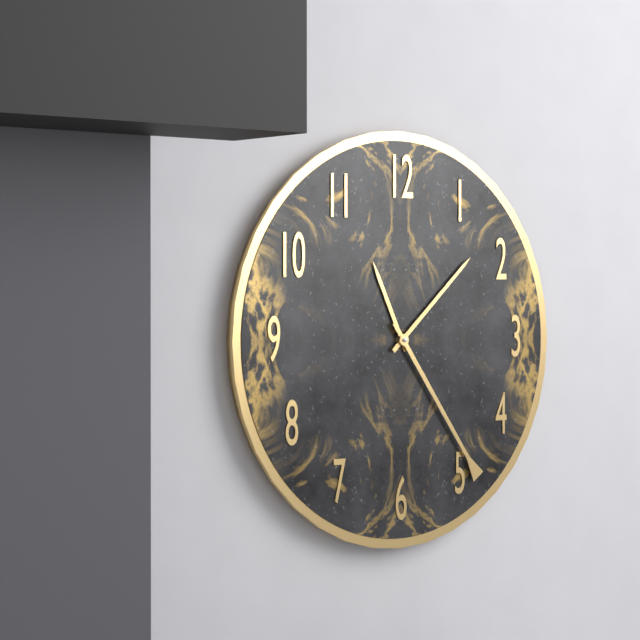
11:08:24
